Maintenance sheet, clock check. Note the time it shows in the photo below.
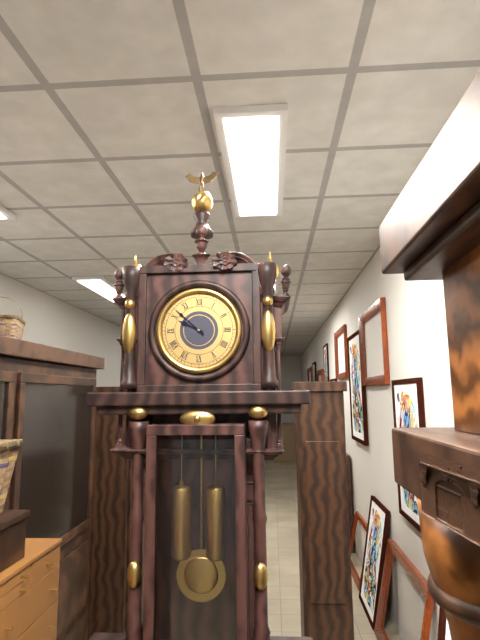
9:52
